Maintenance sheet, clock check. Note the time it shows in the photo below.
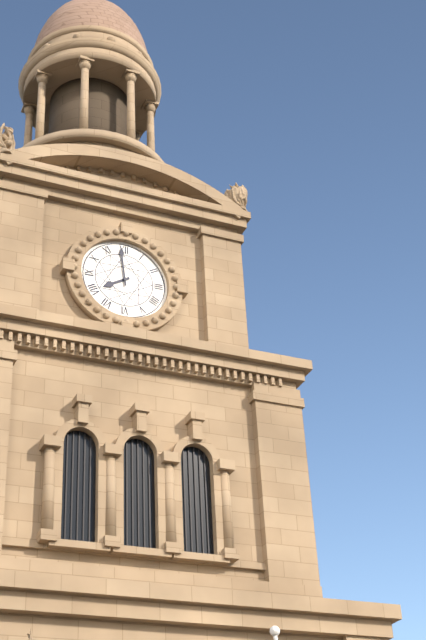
7:59
